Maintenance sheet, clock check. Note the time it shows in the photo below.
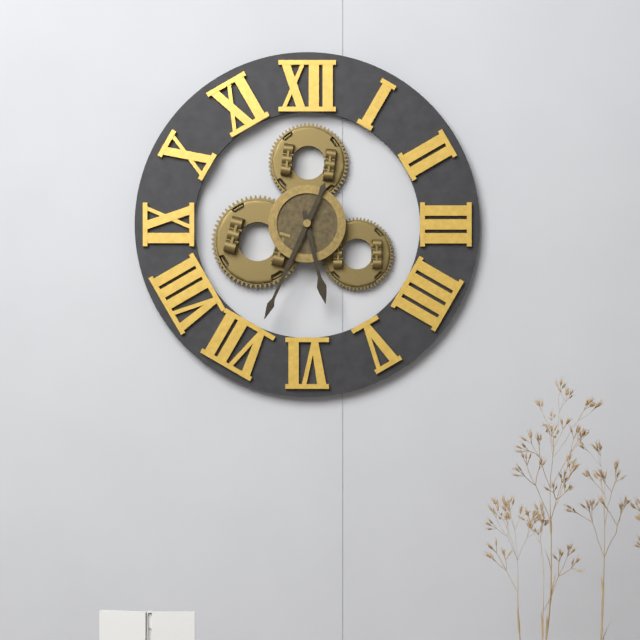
5:34
